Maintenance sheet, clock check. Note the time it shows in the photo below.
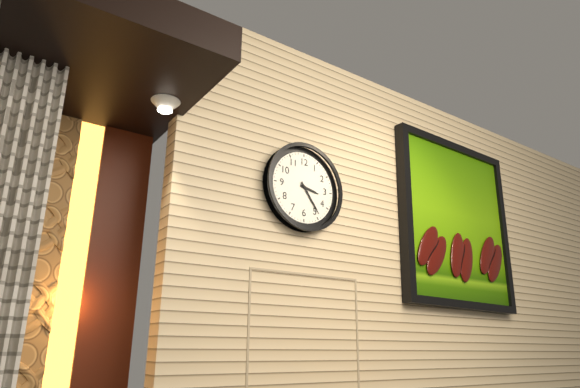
3:24
